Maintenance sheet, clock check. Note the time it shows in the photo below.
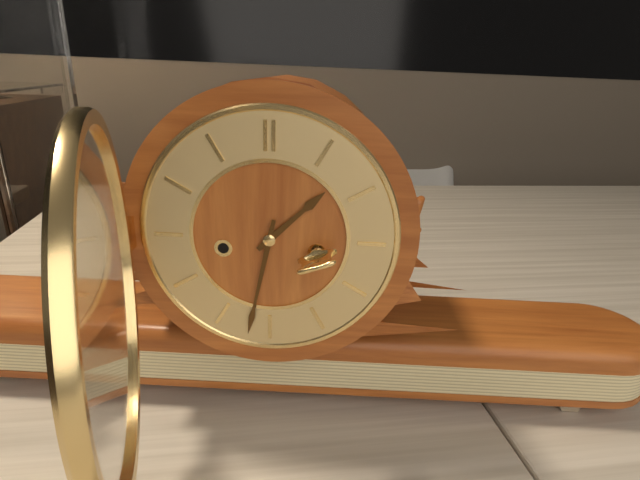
1:32
